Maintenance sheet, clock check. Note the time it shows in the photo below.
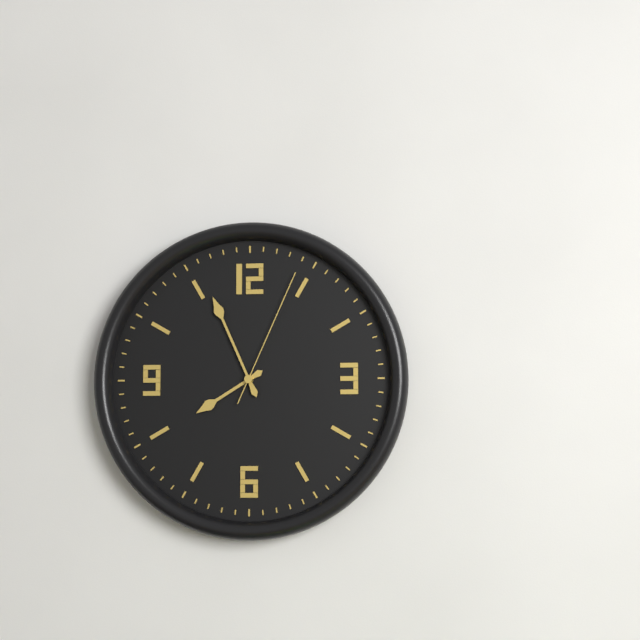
7:56:04
